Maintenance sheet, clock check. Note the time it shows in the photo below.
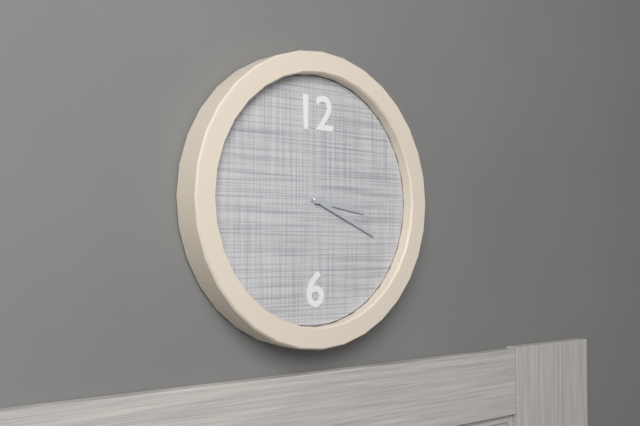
3:19
